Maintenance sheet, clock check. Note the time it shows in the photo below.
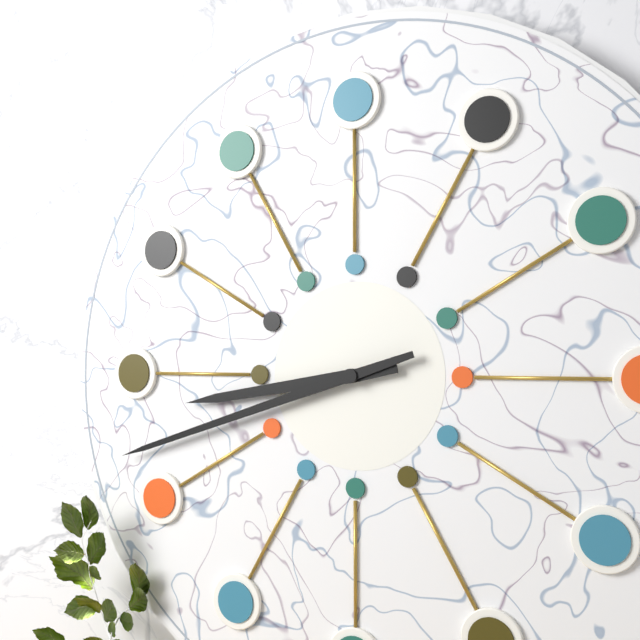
8:42
